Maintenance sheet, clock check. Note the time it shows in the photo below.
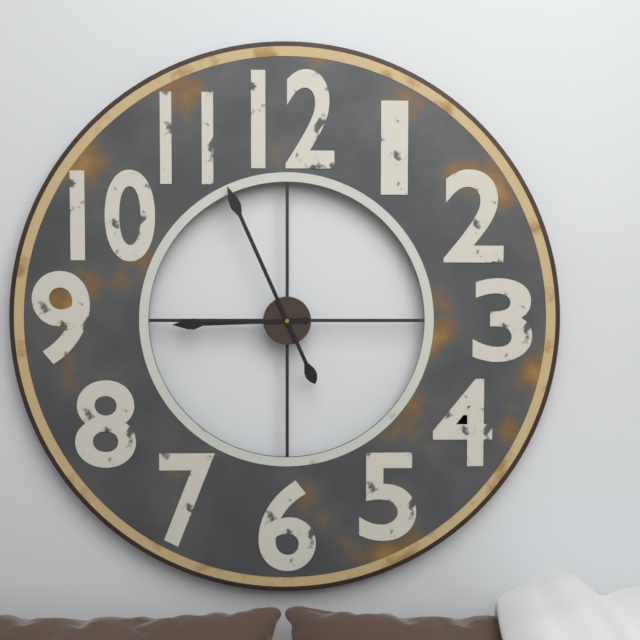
8:56
